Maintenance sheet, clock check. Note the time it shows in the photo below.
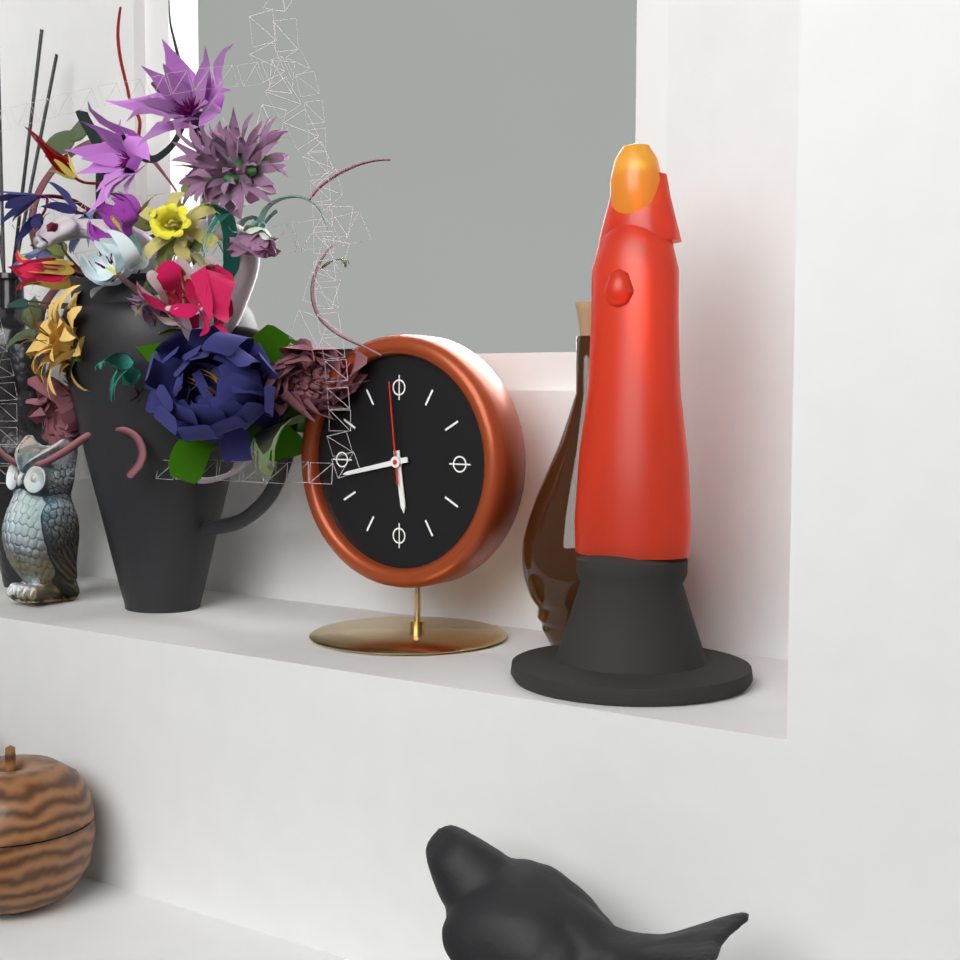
5:43:59
